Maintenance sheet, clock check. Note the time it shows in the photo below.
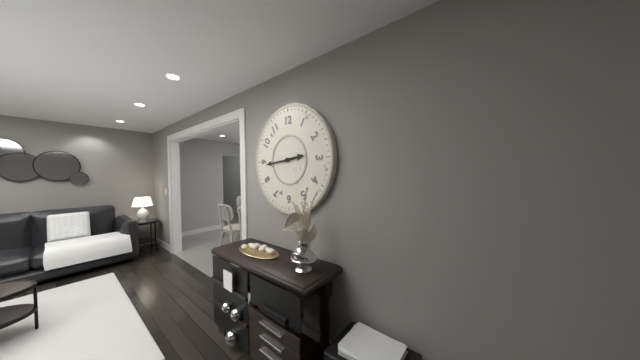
2:44
